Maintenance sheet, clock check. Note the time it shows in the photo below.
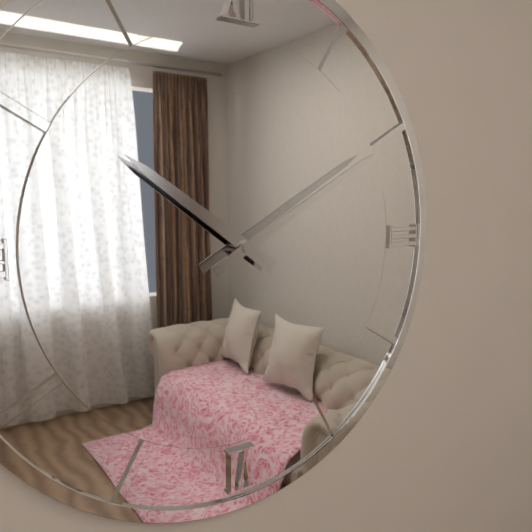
10:10
